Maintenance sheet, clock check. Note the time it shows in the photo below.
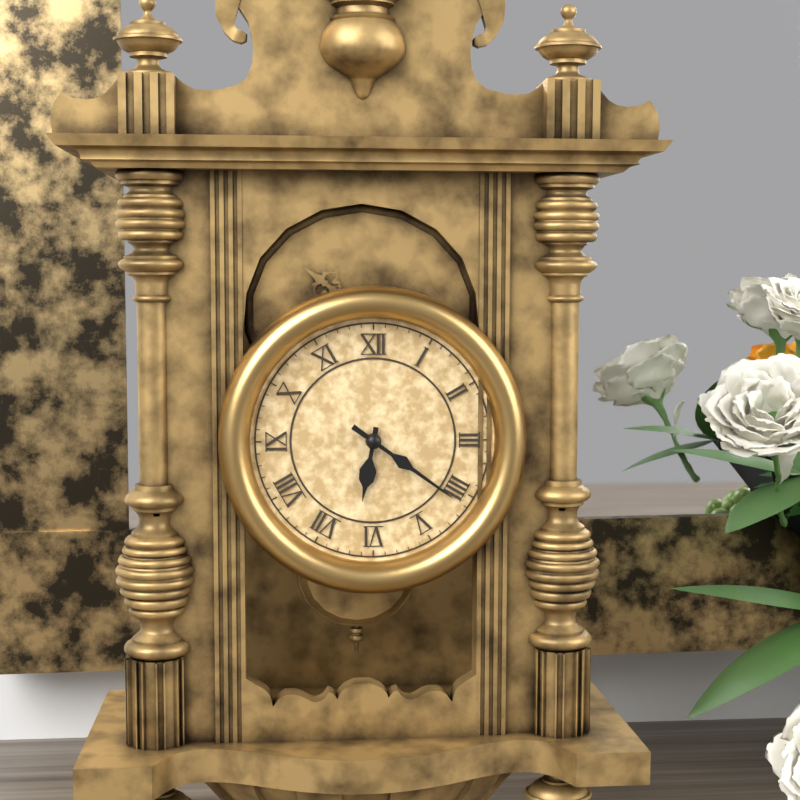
6:21
